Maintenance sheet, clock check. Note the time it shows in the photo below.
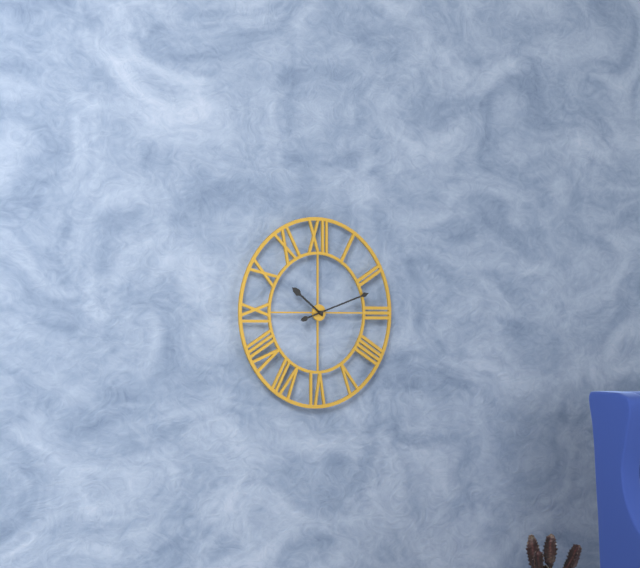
10:12
